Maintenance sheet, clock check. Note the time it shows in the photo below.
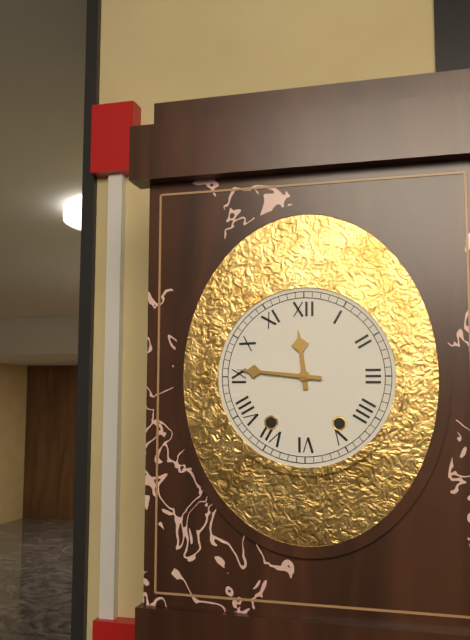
11:46
